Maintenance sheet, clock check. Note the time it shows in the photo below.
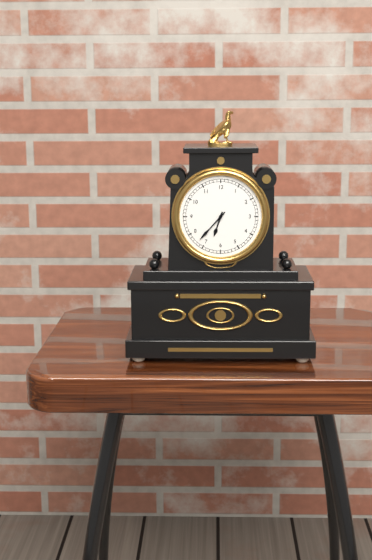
6:37
